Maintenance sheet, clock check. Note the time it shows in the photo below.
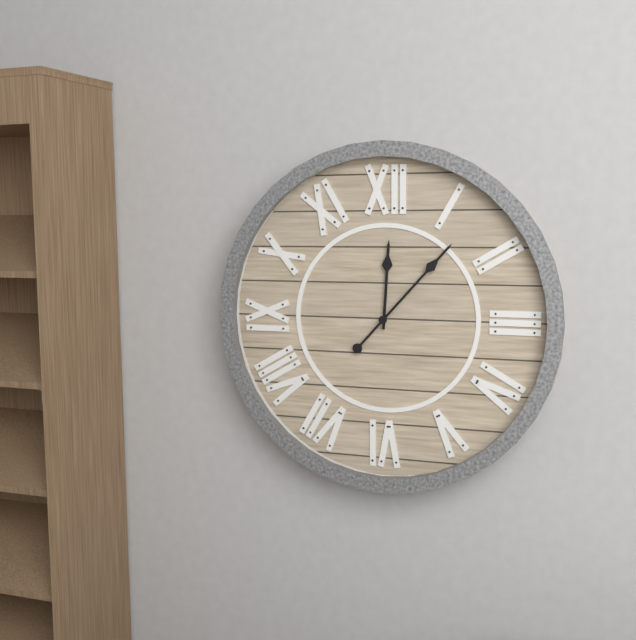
12:07
